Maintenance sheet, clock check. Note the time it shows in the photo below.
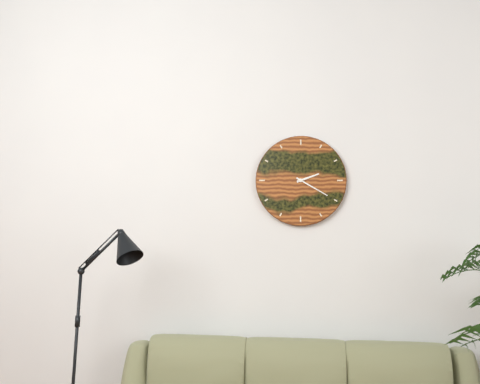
2:20
